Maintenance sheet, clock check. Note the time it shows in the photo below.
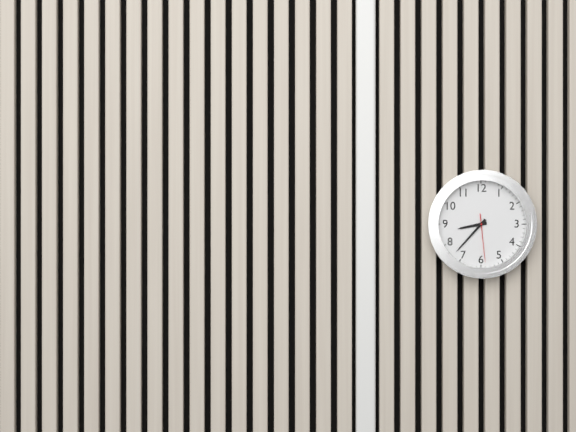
8:37:29
